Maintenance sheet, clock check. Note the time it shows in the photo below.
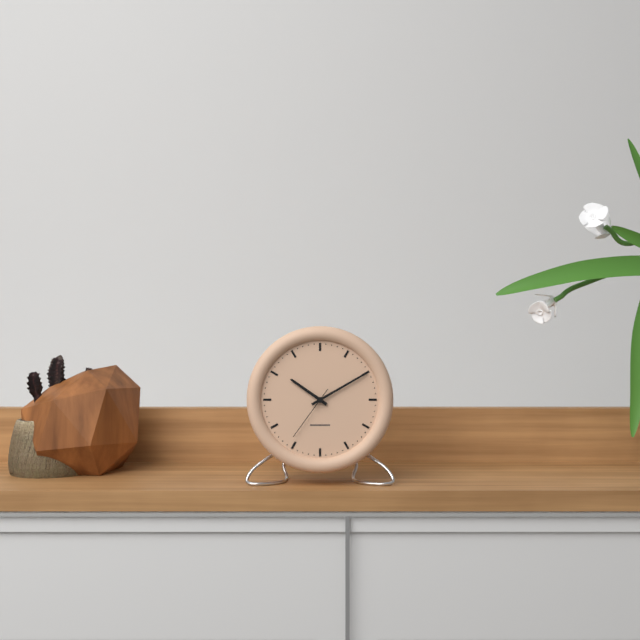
10:10:36
